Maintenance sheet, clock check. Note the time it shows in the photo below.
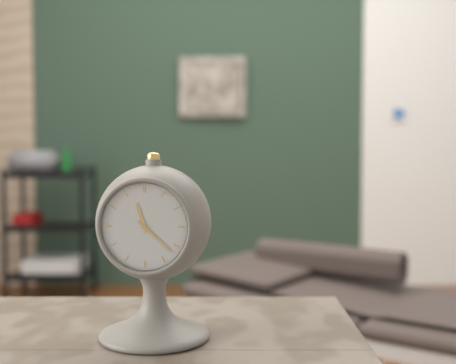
11:22
